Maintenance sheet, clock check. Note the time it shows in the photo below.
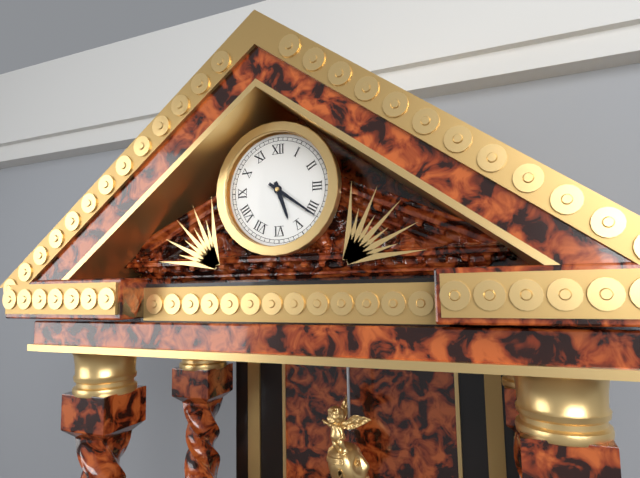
5:21
